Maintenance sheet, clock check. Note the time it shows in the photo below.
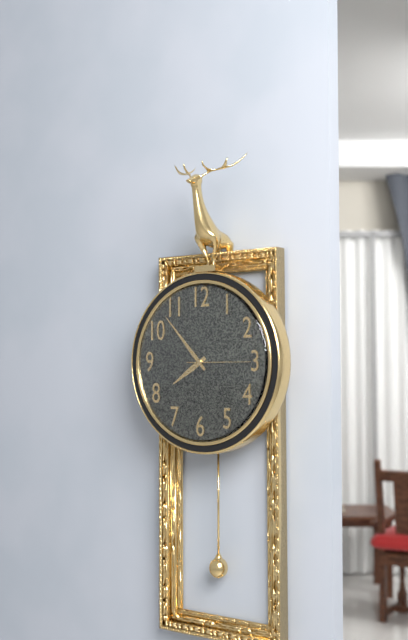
7:53:15
